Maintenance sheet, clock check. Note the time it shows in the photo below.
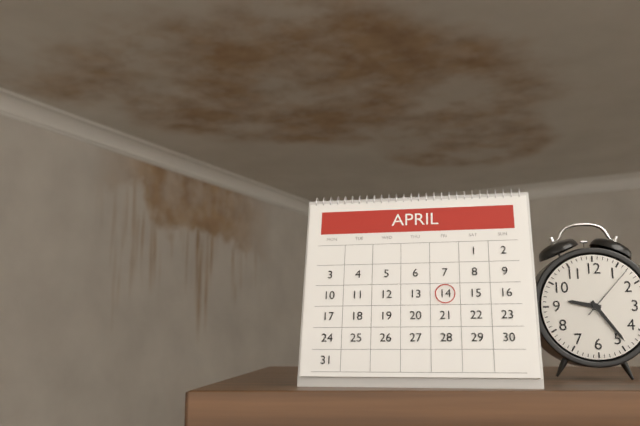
9:24:07
